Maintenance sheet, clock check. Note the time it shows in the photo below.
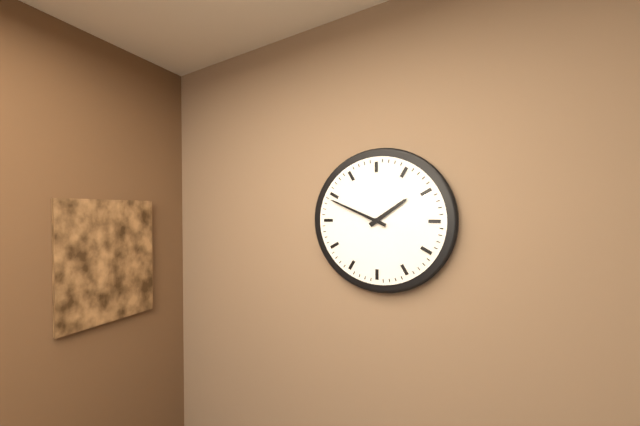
1:49
